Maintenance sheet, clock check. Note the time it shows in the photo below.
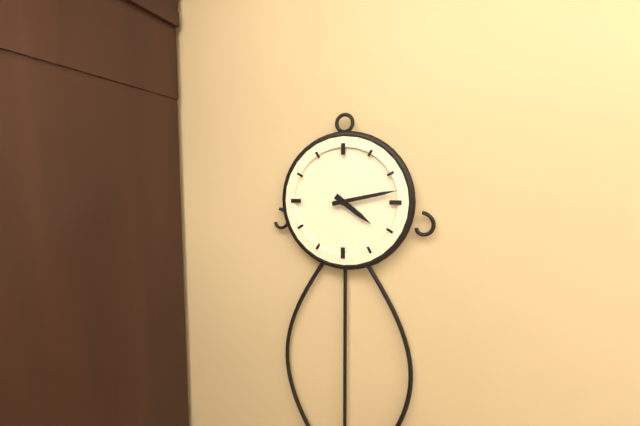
4:13
